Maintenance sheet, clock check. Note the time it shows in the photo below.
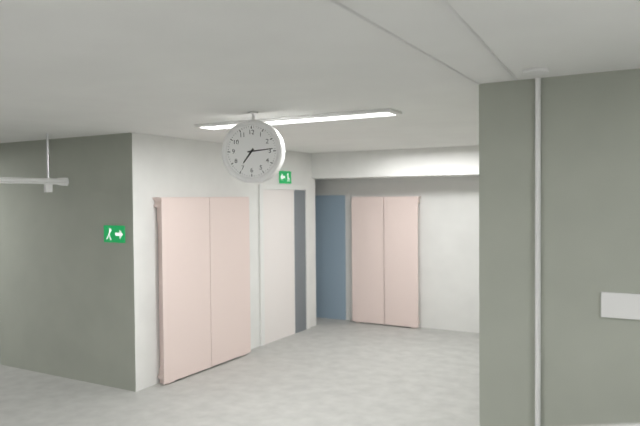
7:14
